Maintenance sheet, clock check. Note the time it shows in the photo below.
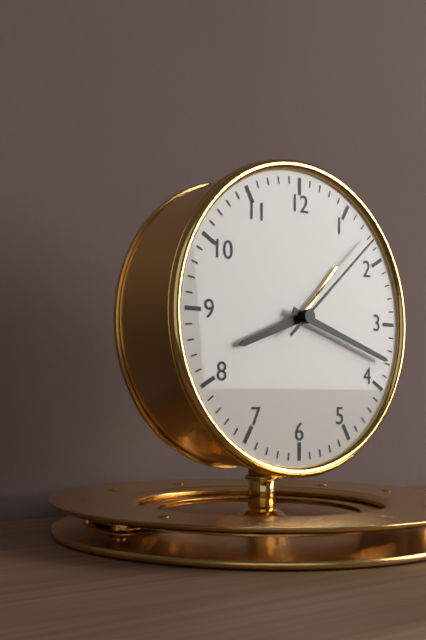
8:18:08
